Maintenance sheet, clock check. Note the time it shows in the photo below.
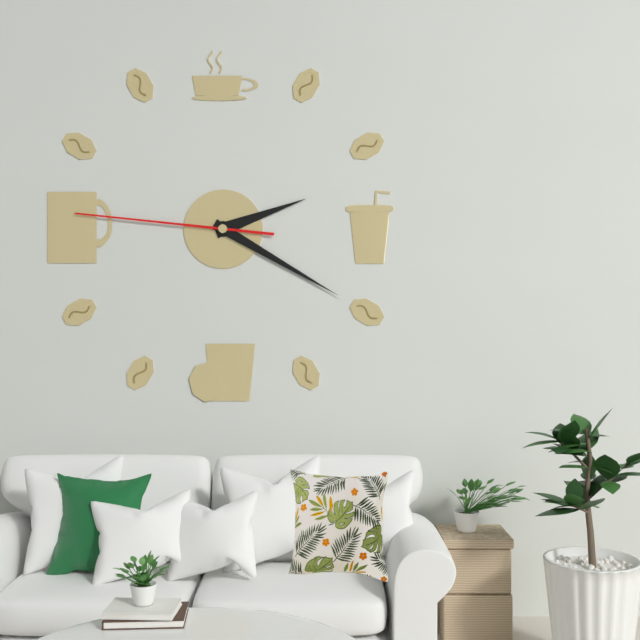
2:20:46
